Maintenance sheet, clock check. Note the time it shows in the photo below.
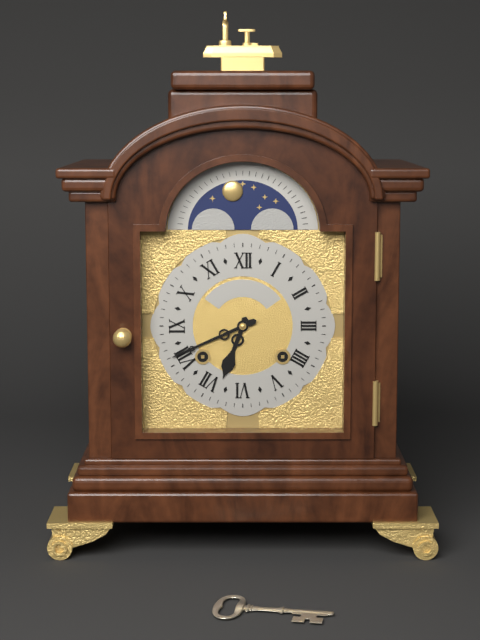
6:41
